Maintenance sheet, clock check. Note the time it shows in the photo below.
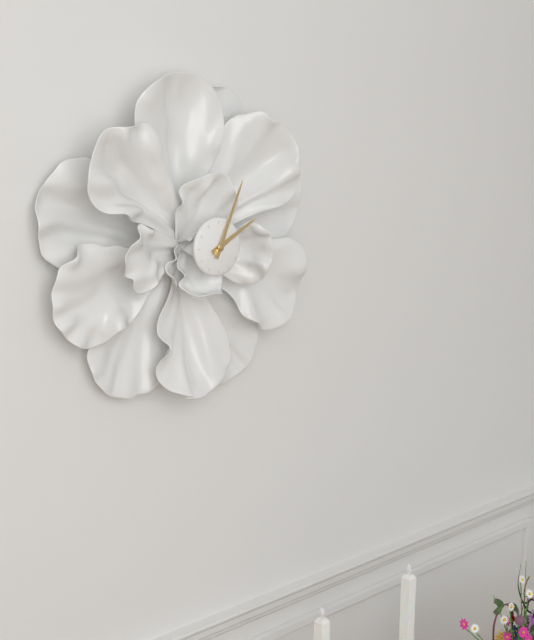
2:04
